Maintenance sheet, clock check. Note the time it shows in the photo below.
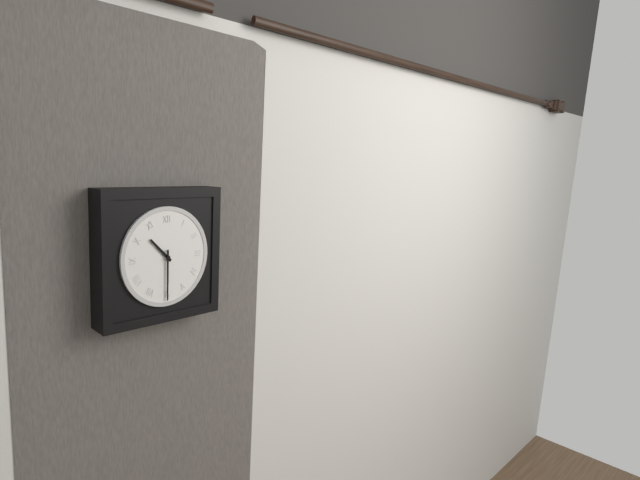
10:30
